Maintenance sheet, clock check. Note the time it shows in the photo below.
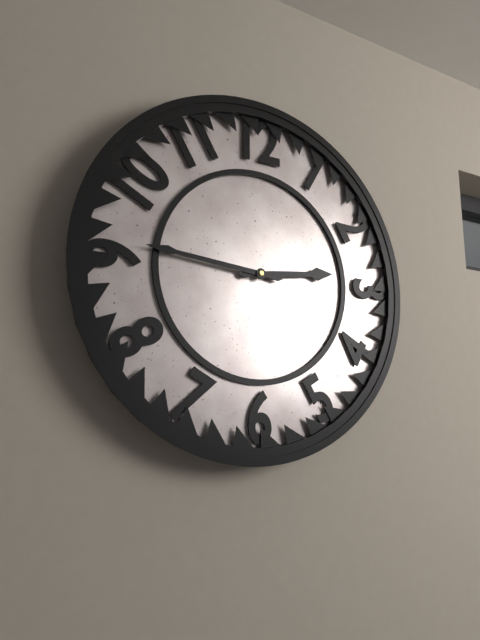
2:46
